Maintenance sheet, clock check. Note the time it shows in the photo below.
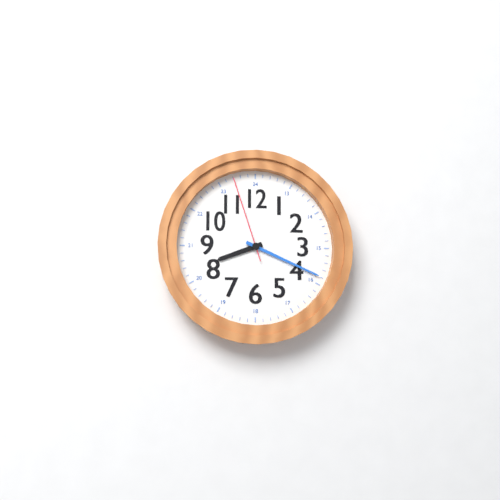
8:19:57
